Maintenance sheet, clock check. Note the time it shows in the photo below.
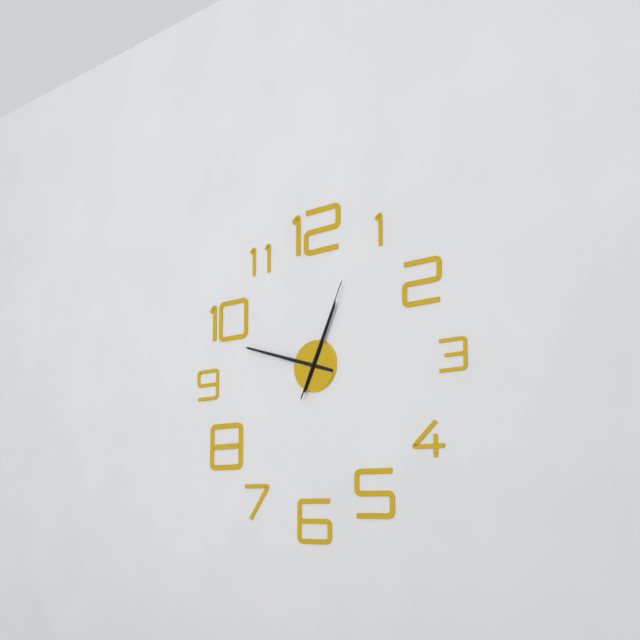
12:48:04
